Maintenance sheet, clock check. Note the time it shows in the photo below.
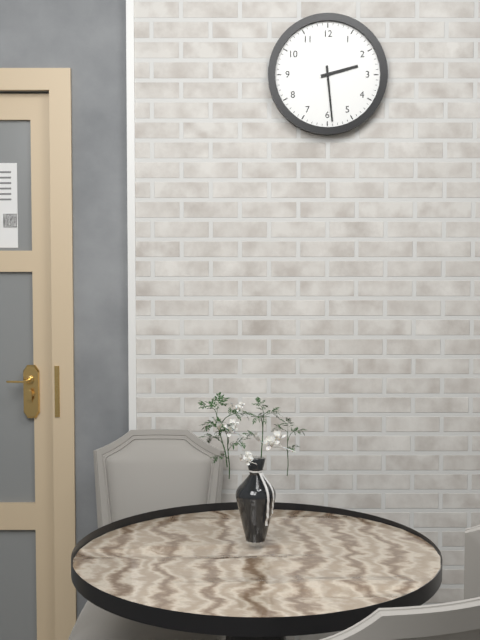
2:29
